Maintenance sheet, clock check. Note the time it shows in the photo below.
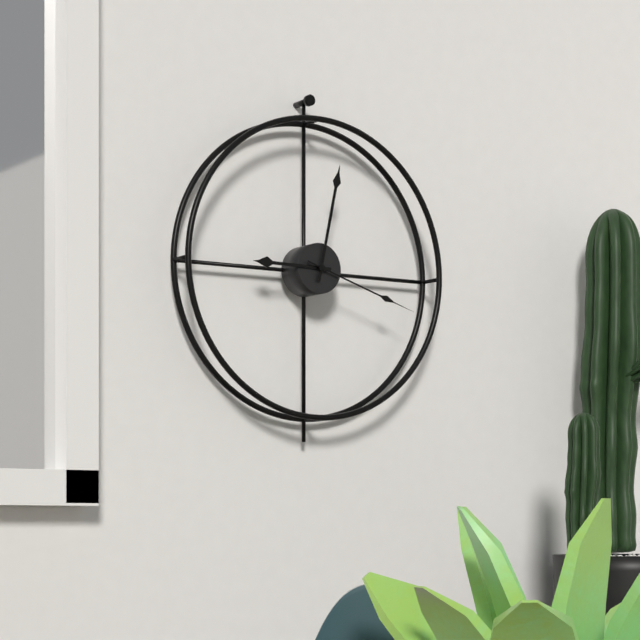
9:02:18
